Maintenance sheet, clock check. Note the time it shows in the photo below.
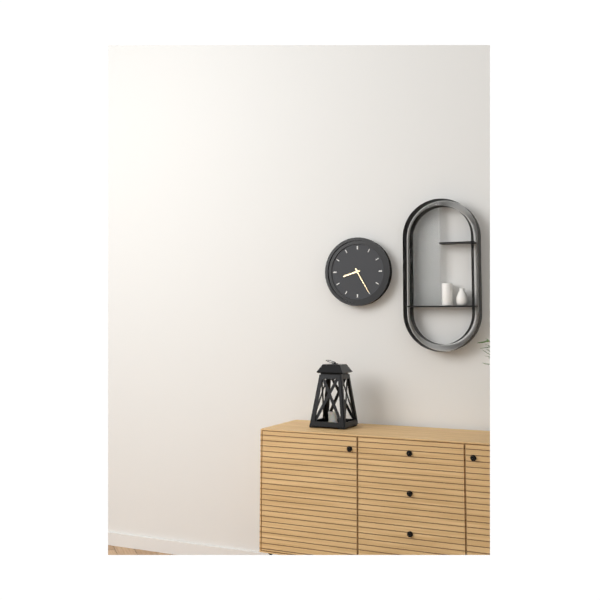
8:25
